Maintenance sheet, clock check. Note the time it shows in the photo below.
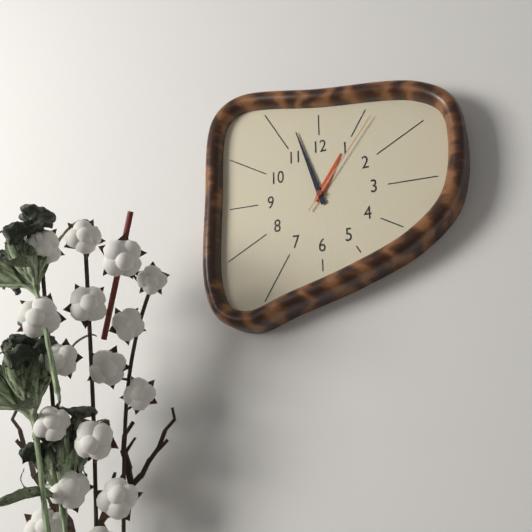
12:57:06
